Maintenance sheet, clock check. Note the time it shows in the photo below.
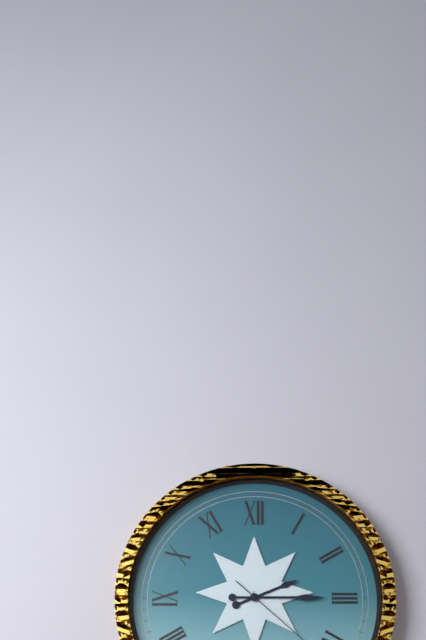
2:15
